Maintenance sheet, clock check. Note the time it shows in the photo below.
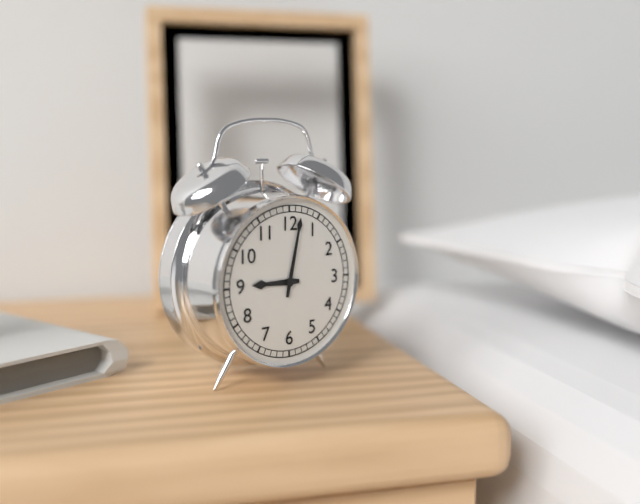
9:02
